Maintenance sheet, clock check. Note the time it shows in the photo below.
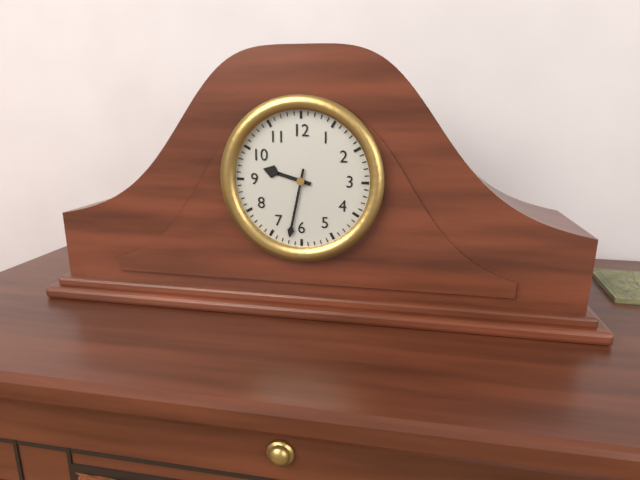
9:32
